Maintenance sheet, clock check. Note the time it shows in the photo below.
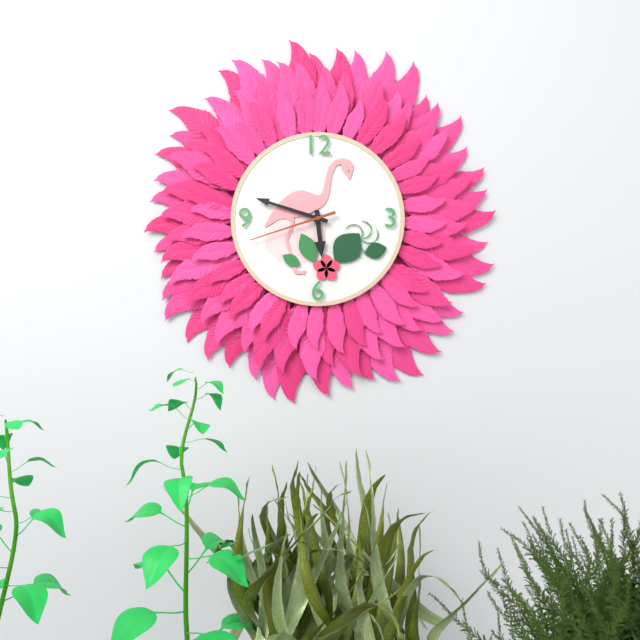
5:48:42
